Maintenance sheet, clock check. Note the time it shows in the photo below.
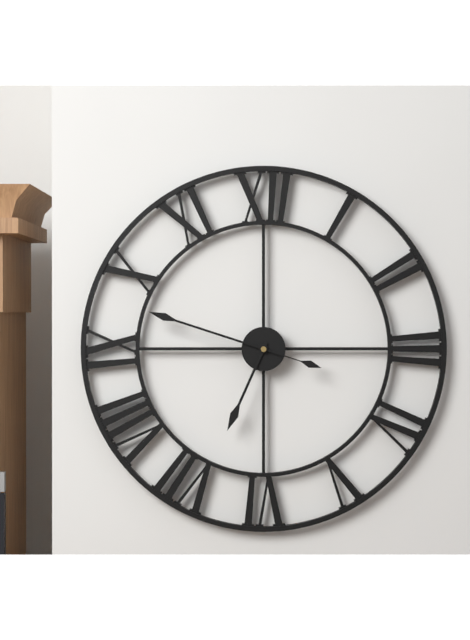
6:48:48
